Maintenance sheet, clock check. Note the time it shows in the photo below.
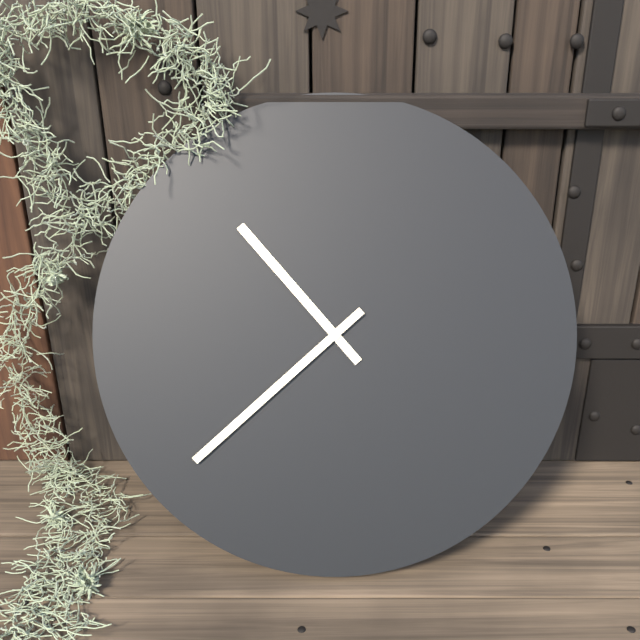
10:38
